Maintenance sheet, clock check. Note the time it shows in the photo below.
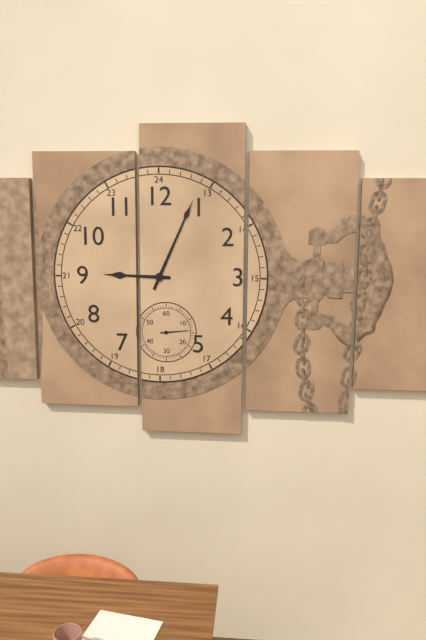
9:04
